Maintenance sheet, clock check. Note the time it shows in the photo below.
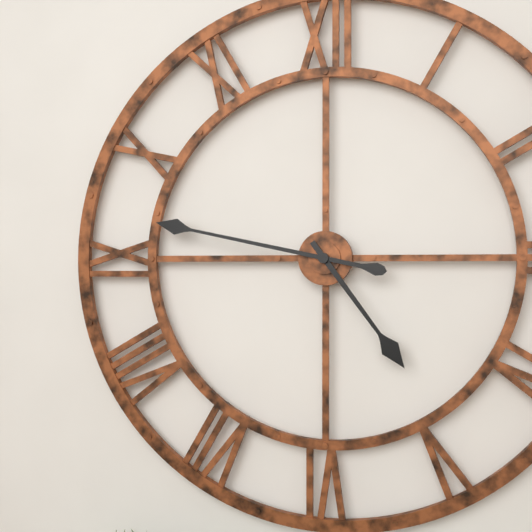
4:47
